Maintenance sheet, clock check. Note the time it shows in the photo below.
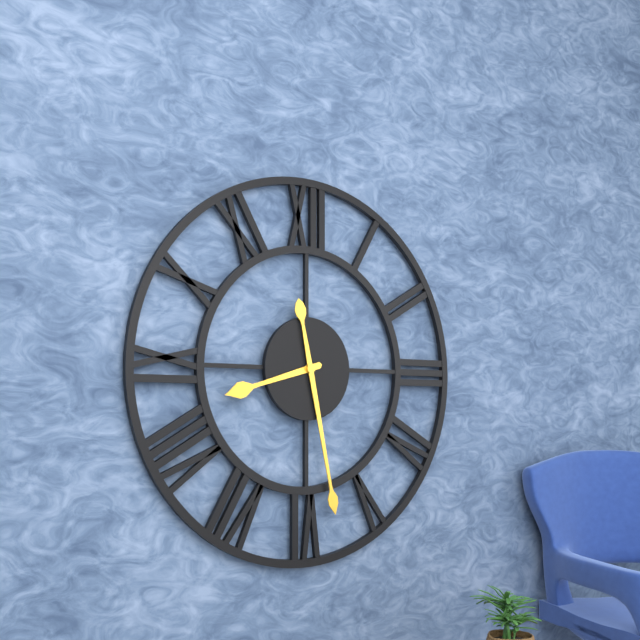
8:28
